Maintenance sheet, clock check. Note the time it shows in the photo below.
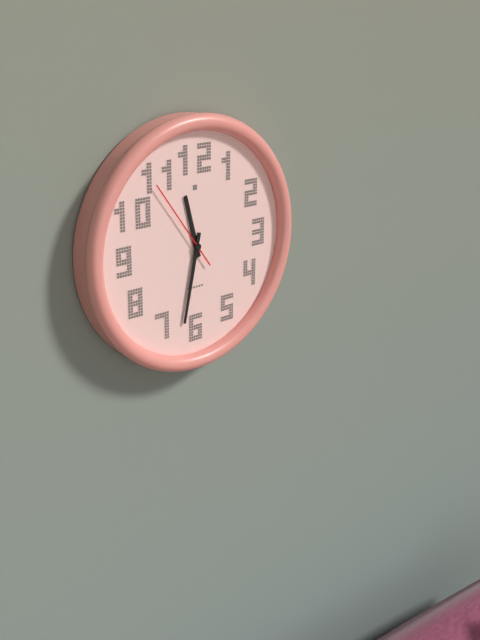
11:32:54
